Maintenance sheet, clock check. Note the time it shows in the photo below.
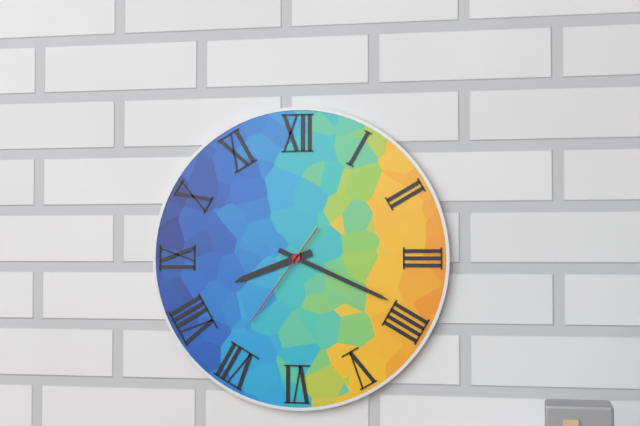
8:19:36
